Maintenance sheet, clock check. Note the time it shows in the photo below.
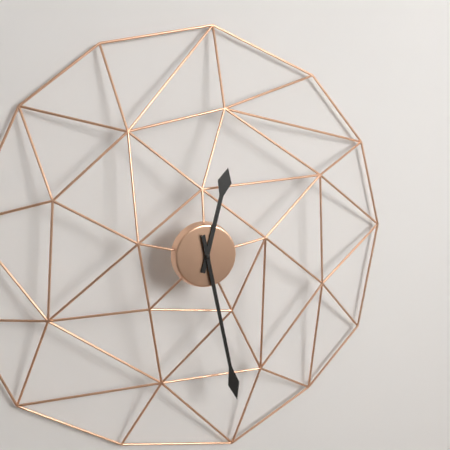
12:28
